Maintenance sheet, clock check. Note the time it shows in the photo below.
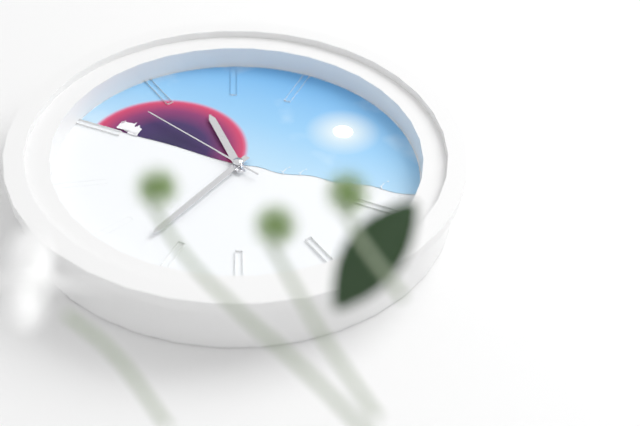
10:32:48
